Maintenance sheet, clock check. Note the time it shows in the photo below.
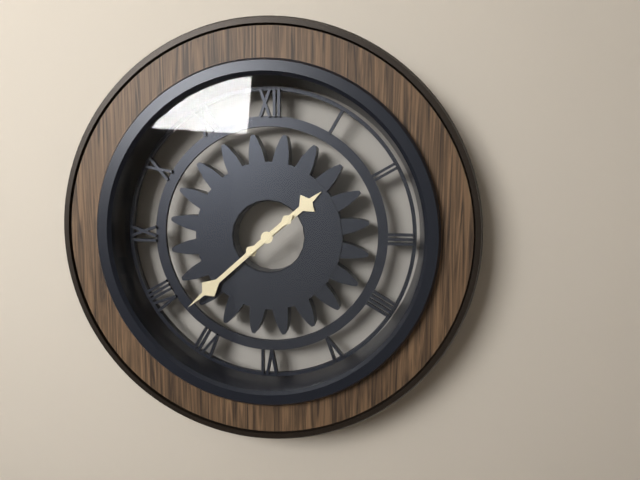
1:38
